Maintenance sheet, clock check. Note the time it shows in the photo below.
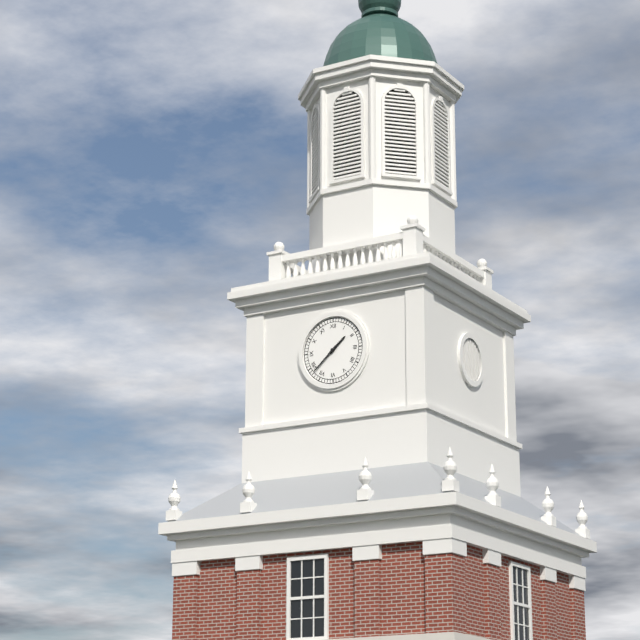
1:38
